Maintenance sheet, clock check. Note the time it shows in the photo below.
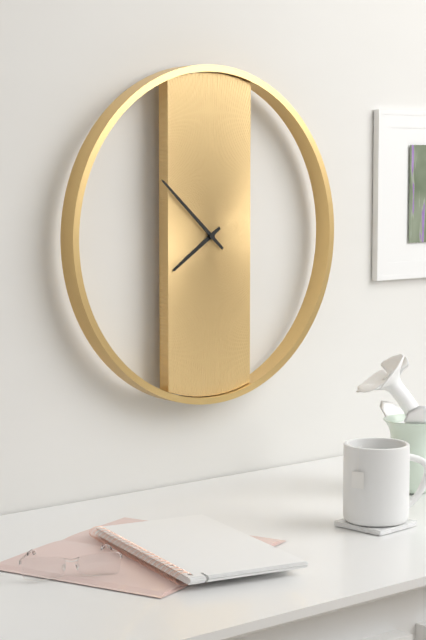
7:52
